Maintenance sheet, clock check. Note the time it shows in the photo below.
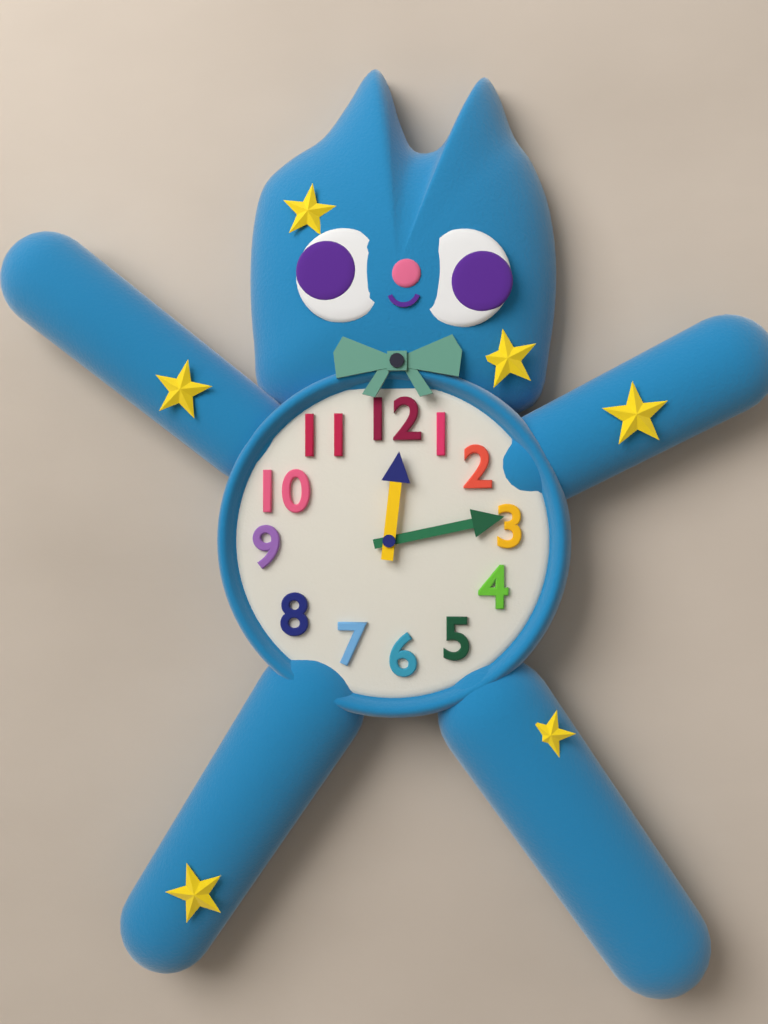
12:13
